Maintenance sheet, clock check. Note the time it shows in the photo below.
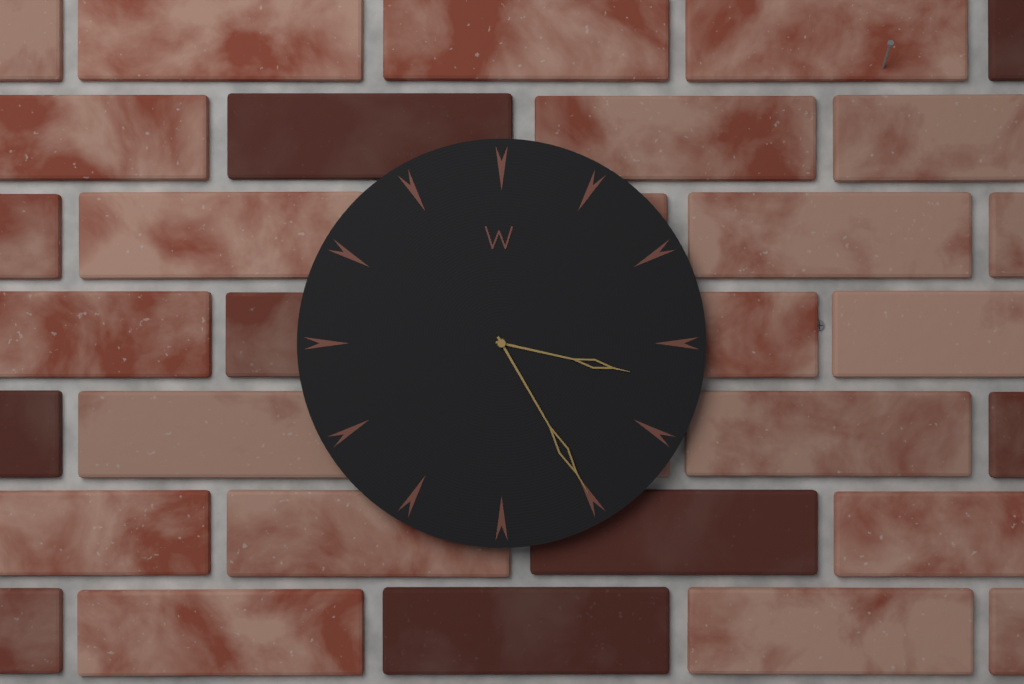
3:25
